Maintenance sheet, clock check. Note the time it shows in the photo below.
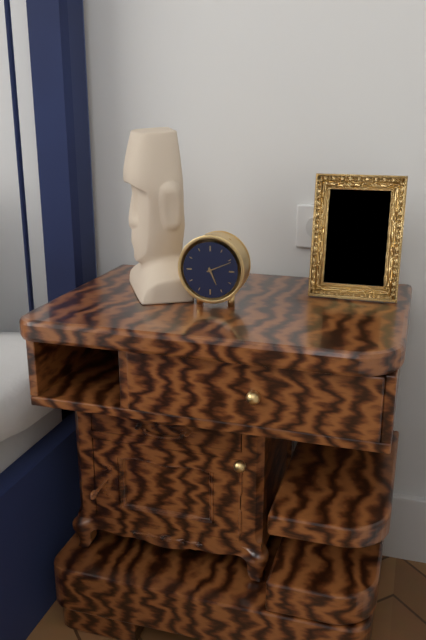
5:11
